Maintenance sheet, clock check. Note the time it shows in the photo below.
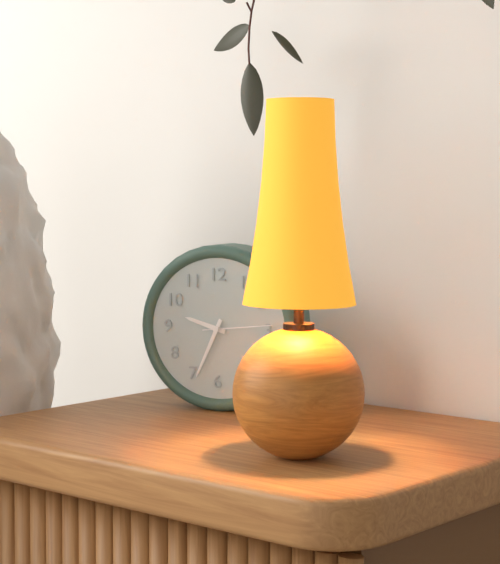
9:34:14
